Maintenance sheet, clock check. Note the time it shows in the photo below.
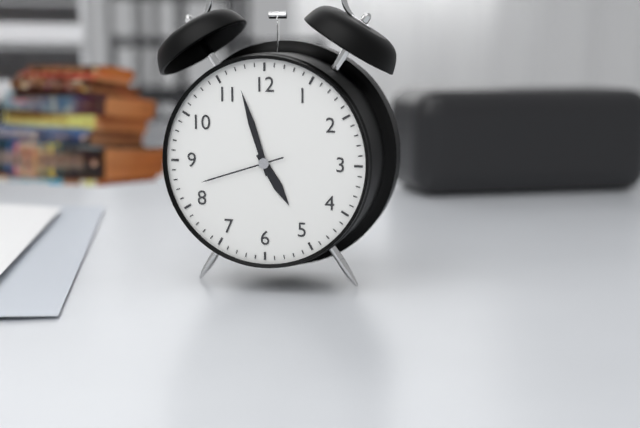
4:57:42
